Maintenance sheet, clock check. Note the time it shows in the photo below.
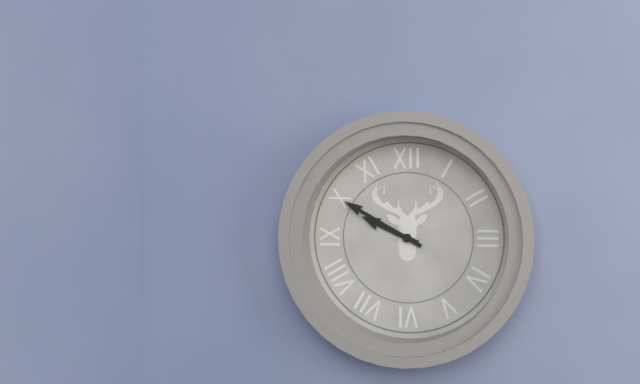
9:50
